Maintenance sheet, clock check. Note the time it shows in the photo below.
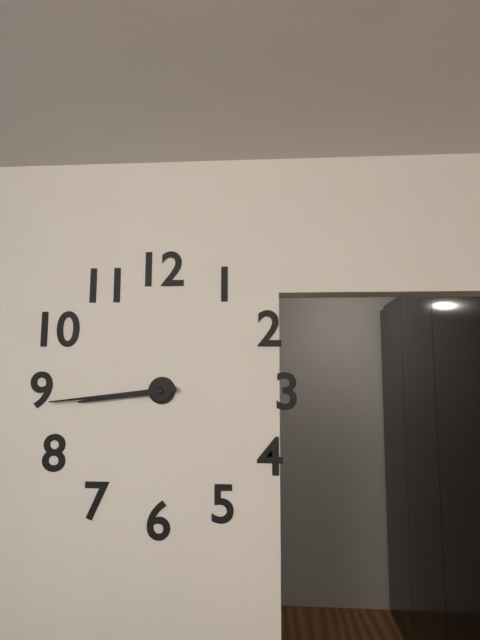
8:44
